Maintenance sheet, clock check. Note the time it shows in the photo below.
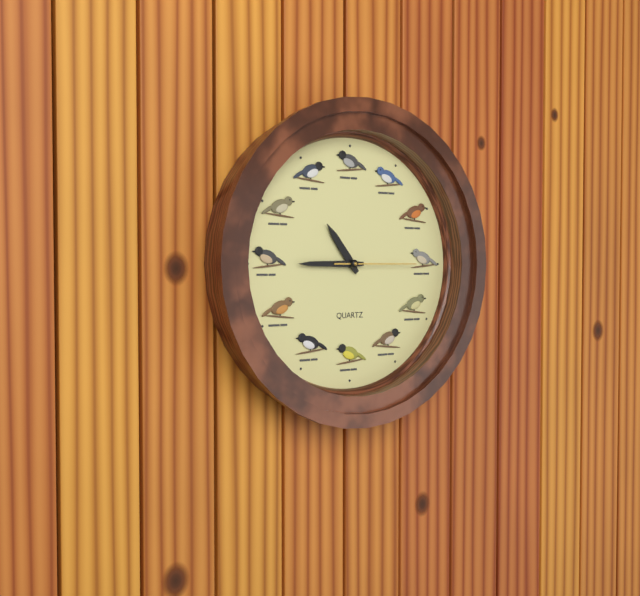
10:45:15
